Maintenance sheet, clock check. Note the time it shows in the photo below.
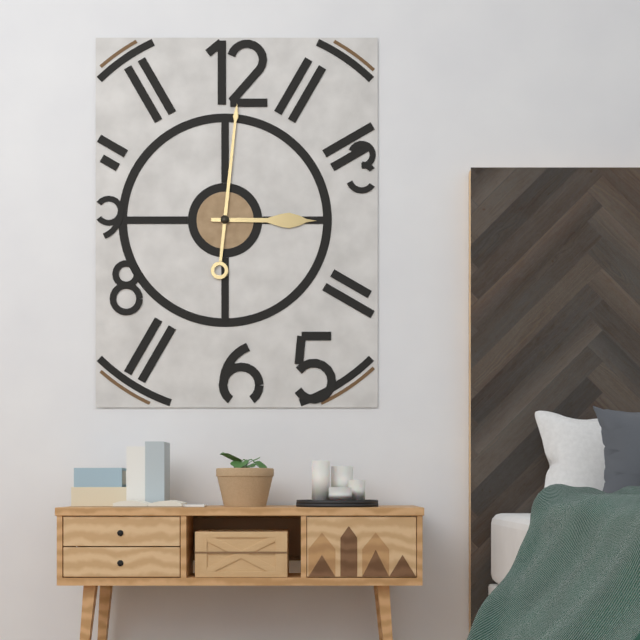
3:01
